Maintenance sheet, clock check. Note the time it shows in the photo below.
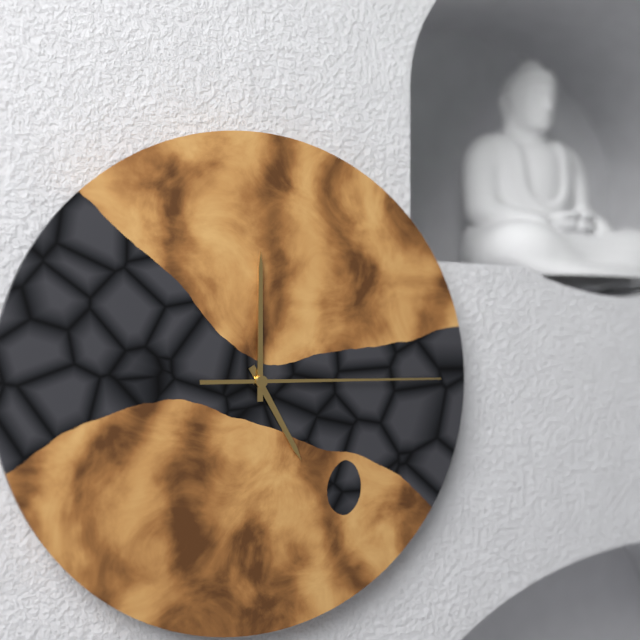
5:00:15
